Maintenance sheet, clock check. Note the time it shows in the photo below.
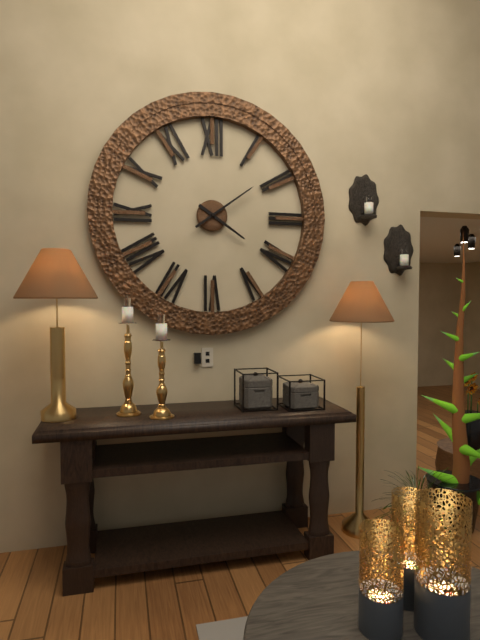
4:09
